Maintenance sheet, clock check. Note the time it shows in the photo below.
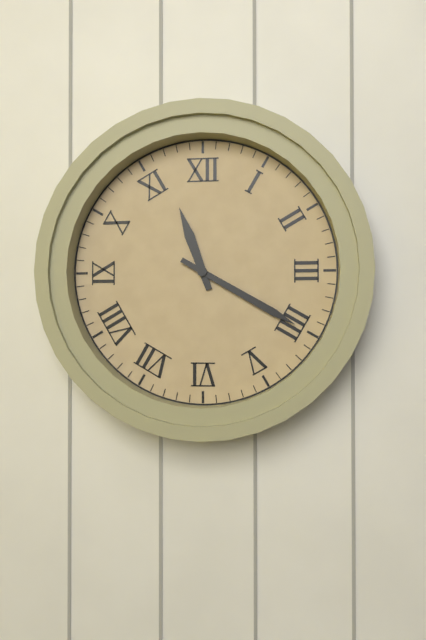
11:20
